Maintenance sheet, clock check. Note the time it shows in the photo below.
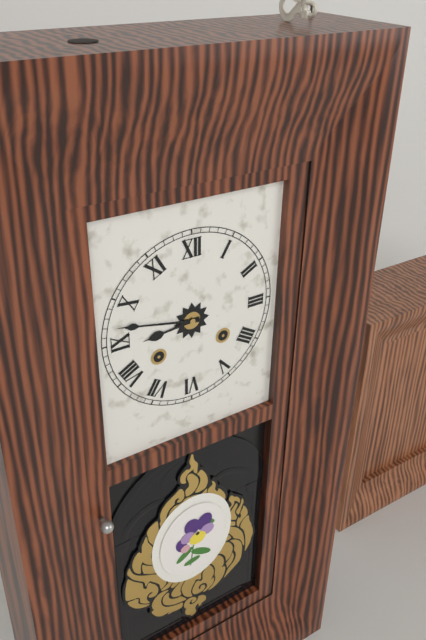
8:47
